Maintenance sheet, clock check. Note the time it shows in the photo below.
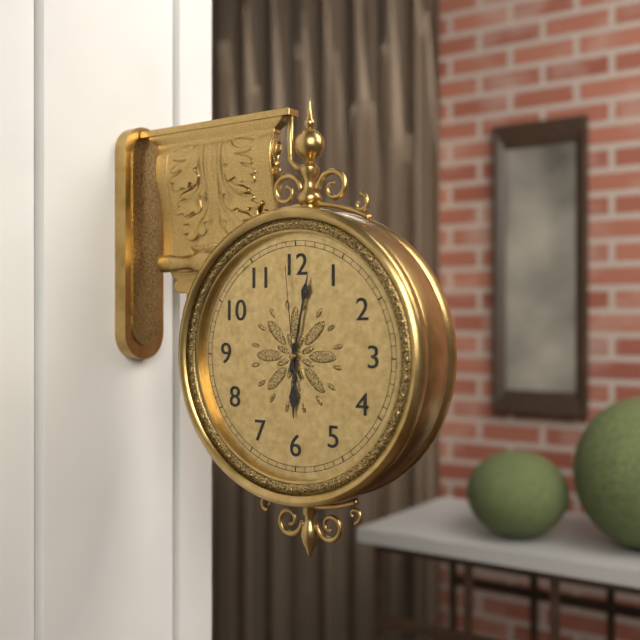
6:02:59
